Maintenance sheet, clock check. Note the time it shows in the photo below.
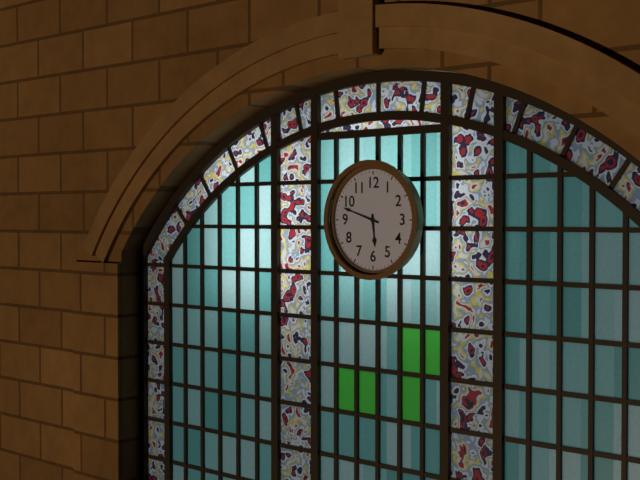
5:48
